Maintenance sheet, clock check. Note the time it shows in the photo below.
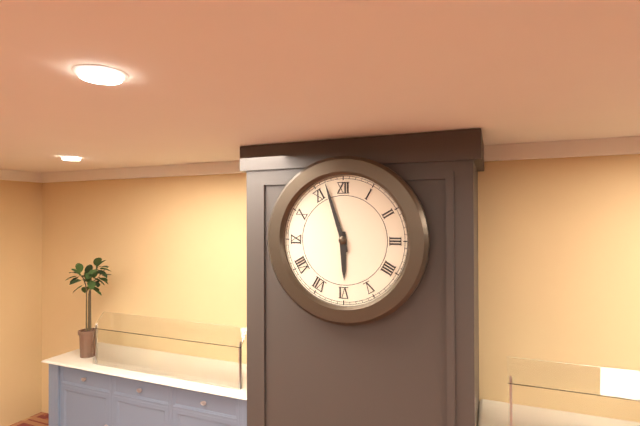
5:57
